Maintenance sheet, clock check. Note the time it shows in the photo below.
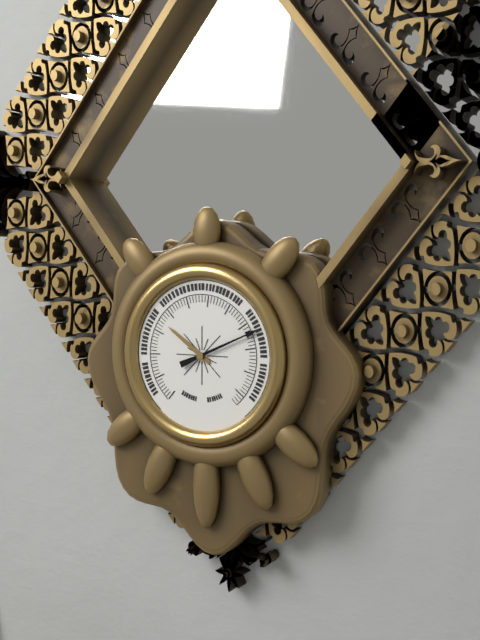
10:11
